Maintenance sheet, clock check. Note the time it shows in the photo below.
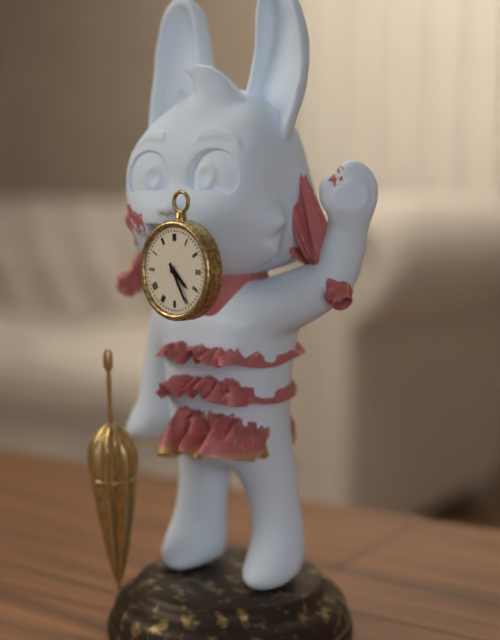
4:25
